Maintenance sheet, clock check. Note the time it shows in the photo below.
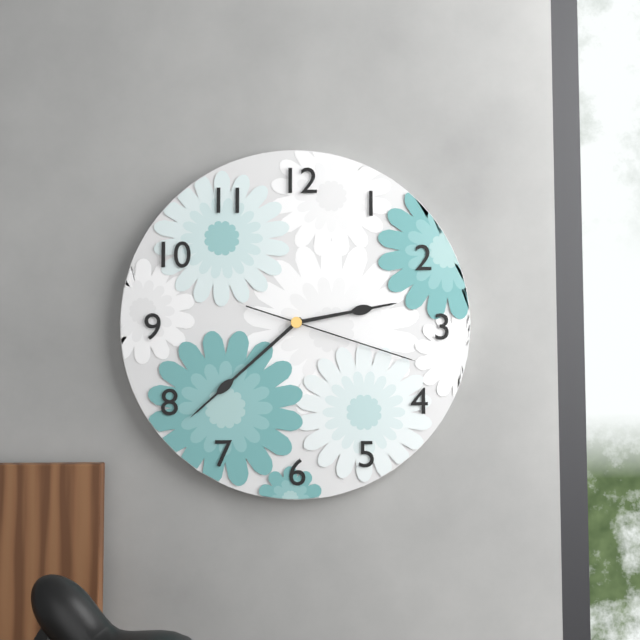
2:38:18
